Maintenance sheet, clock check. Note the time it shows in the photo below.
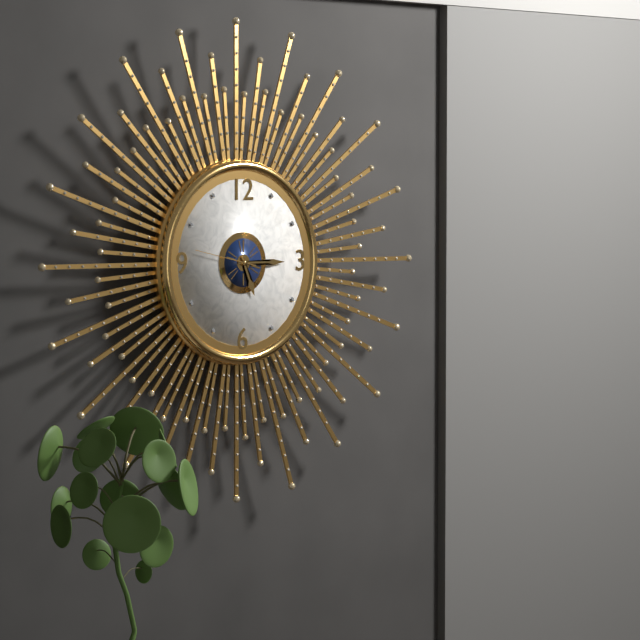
5:15:47
